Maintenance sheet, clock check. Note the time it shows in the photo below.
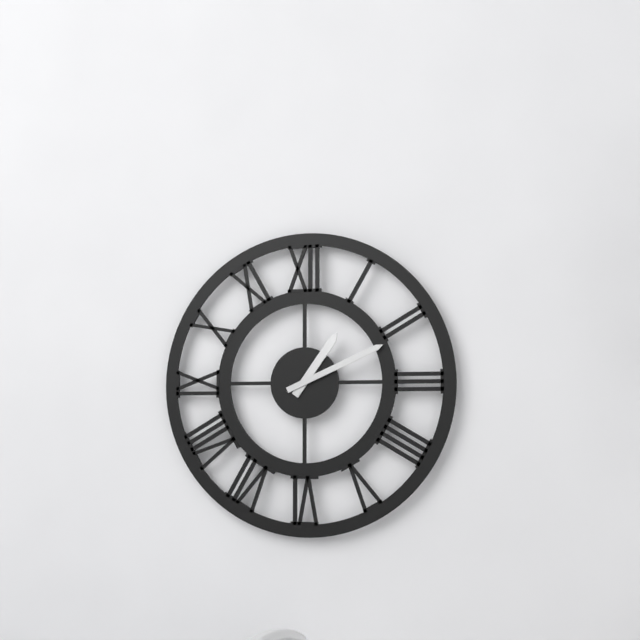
1:11
